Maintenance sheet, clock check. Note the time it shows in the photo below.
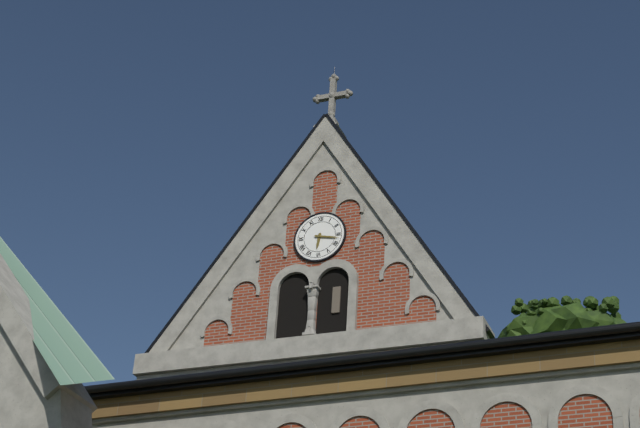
6:17
